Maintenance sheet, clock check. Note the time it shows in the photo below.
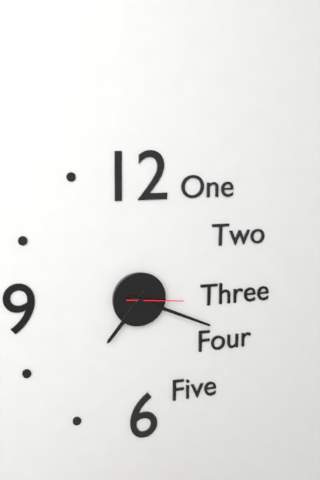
7:19:16
